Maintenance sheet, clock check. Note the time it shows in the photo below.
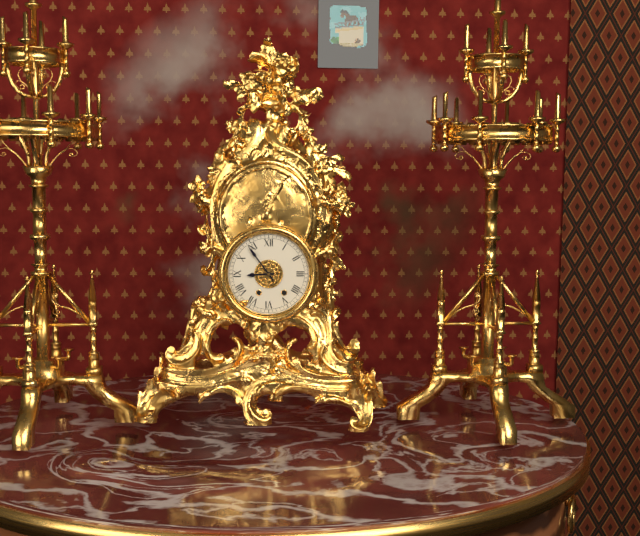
8:54
